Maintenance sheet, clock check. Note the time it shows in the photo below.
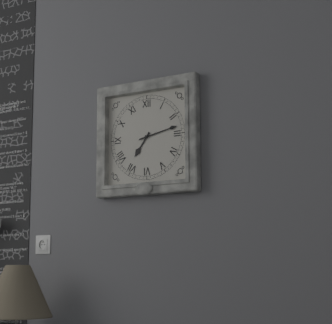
7:13
